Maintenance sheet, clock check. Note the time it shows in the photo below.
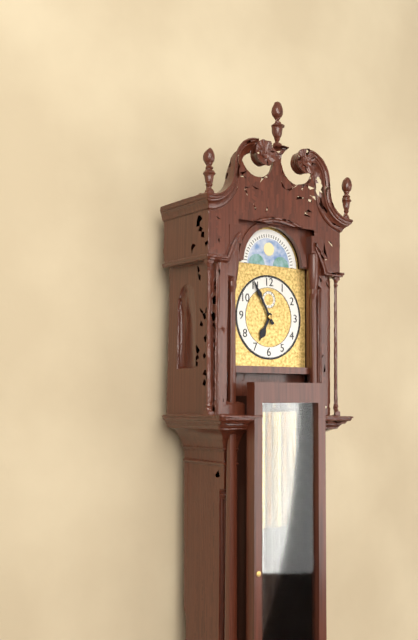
6:55
